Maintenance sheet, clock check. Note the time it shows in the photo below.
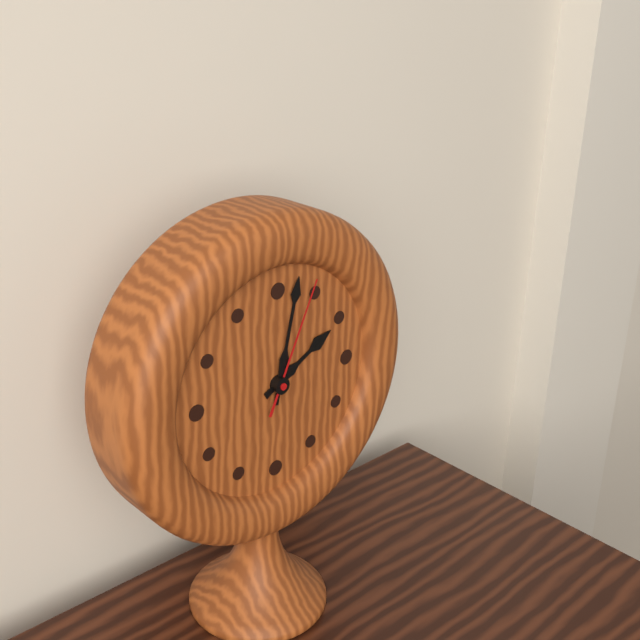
2:02:04
